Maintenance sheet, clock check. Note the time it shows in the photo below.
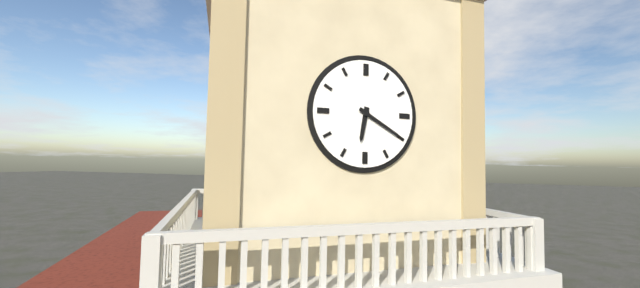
6:20
